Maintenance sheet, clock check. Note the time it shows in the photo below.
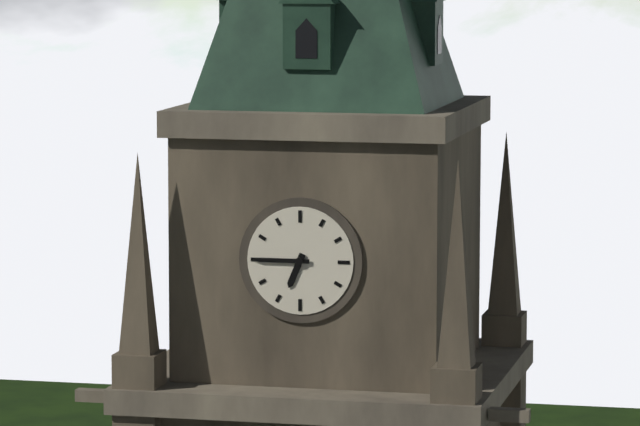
6:45
